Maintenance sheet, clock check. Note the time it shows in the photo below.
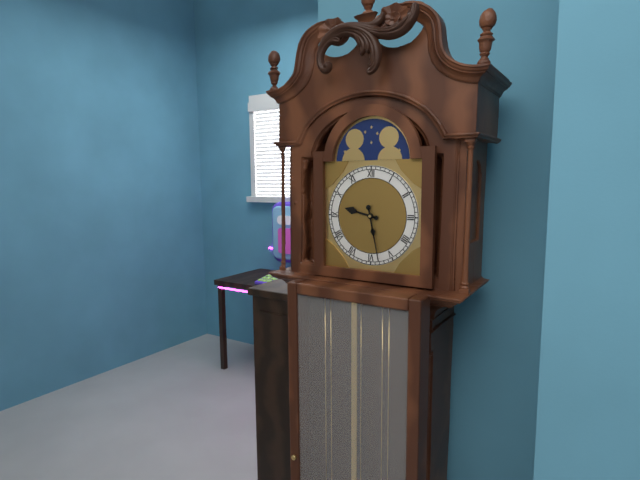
9:28
